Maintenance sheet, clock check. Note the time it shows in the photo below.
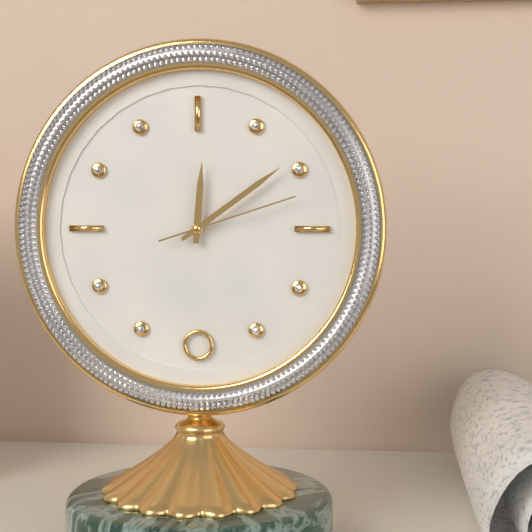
12:09:12
